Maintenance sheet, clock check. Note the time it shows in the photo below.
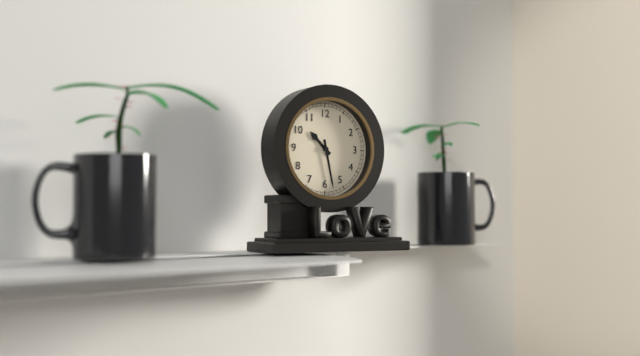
10:28
